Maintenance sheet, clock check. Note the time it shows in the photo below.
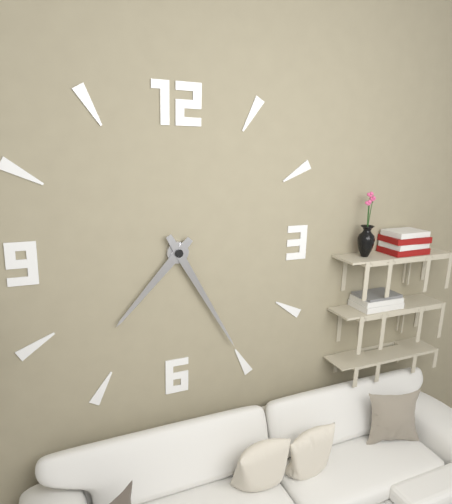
7:25
